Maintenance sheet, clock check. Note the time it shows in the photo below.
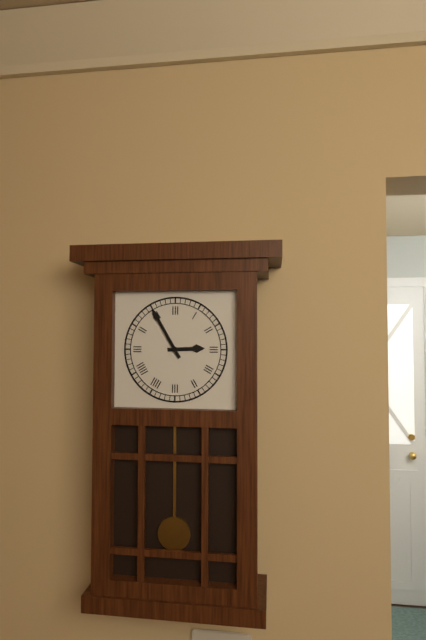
2:55
